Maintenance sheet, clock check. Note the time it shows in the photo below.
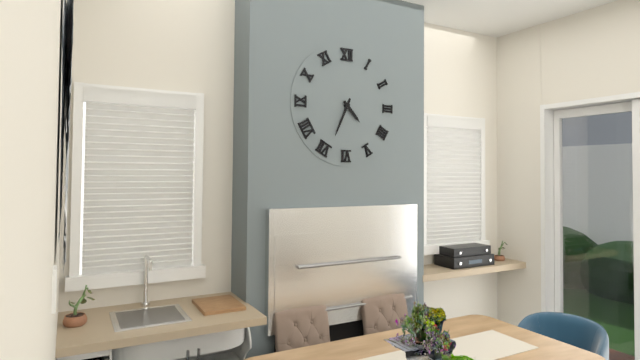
4:34
